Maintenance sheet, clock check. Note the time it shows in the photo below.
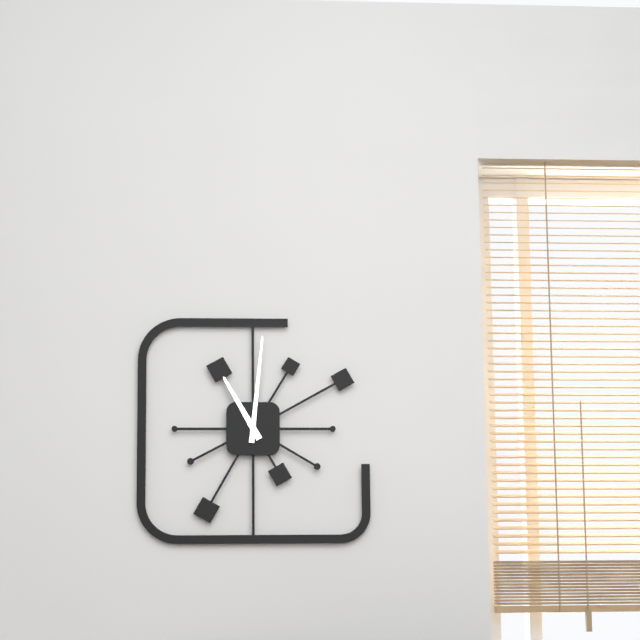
11:01
